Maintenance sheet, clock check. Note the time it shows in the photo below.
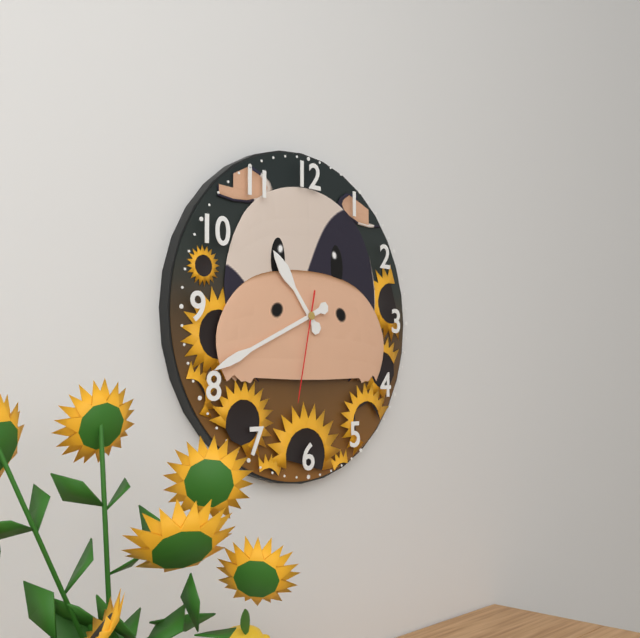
10:41:32
